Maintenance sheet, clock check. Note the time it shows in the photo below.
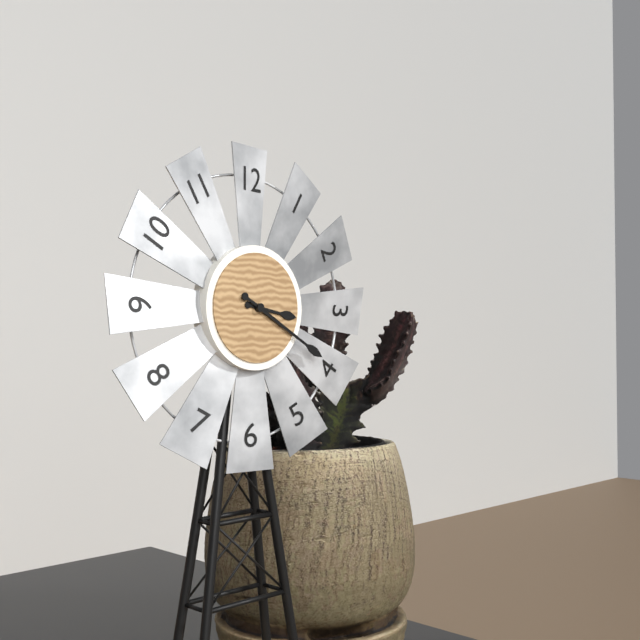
3:20
